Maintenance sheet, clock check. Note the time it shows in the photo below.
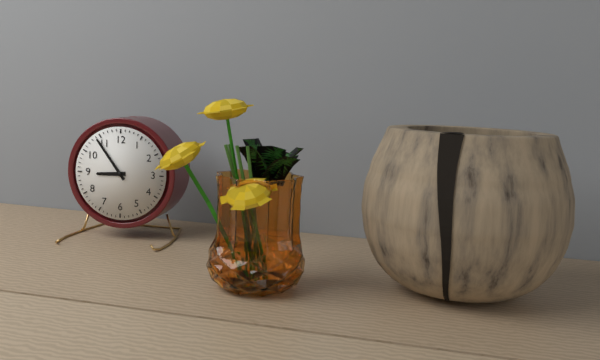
8:54
